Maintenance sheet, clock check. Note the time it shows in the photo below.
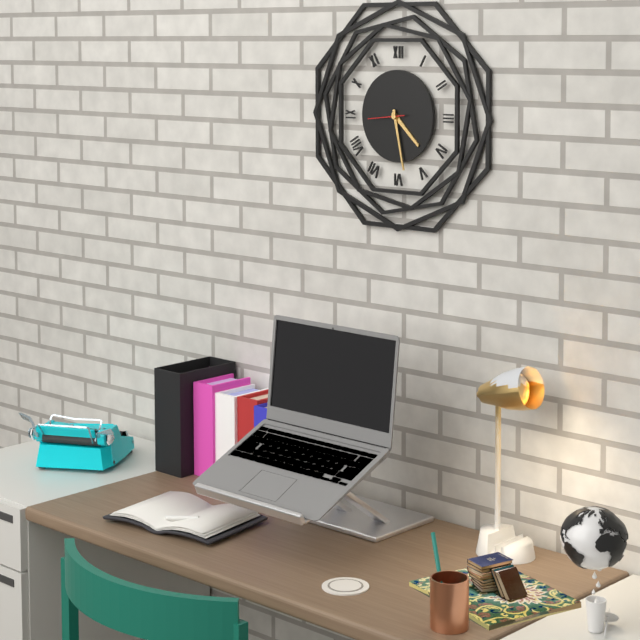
4:28
